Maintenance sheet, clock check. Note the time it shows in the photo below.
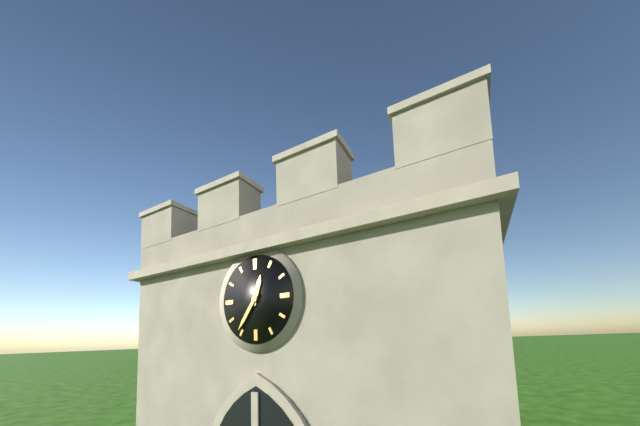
12:36
